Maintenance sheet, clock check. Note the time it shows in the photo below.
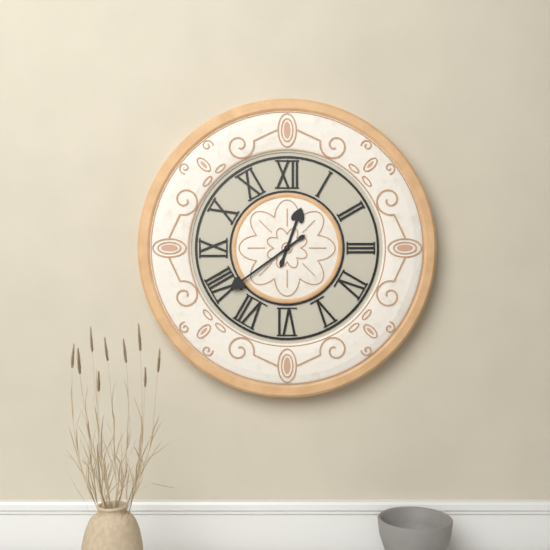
12:39
